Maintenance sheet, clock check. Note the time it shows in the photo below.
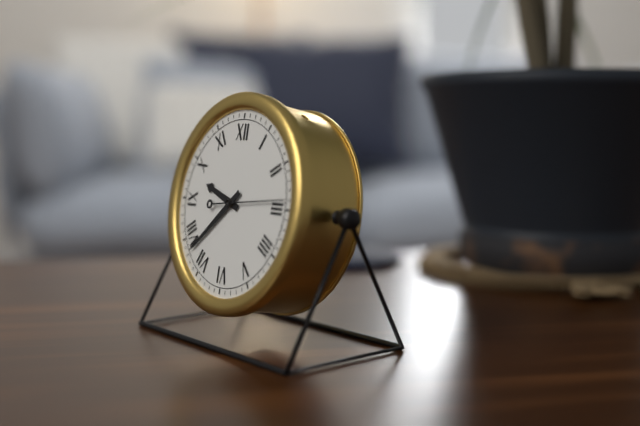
9:38:14
